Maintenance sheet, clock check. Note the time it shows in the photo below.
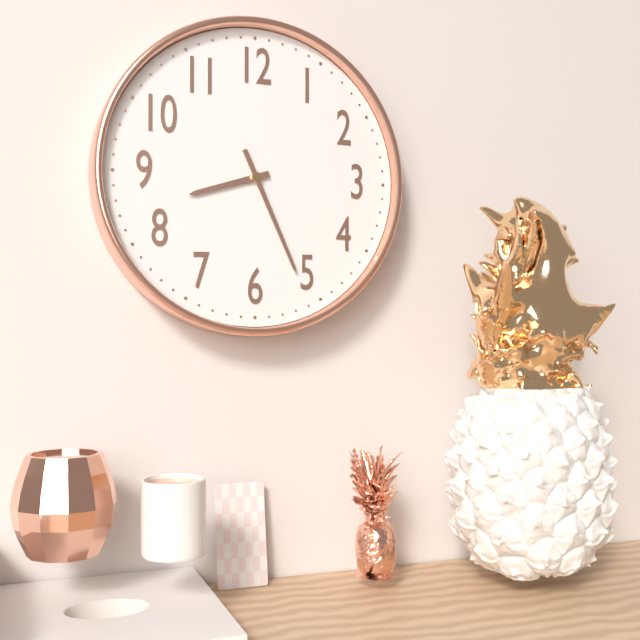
8:26
